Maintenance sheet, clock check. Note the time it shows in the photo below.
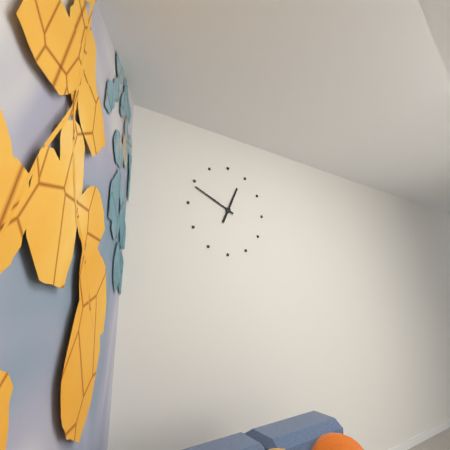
12:49
